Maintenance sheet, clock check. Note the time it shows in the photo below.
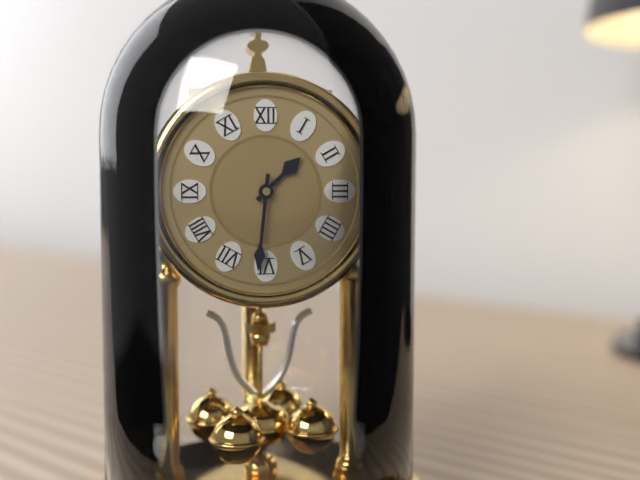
1:31
